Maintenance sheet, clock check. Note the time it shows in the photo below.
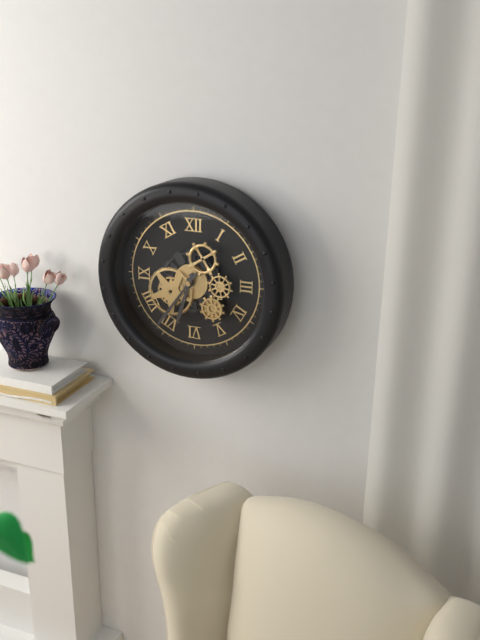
6:36
